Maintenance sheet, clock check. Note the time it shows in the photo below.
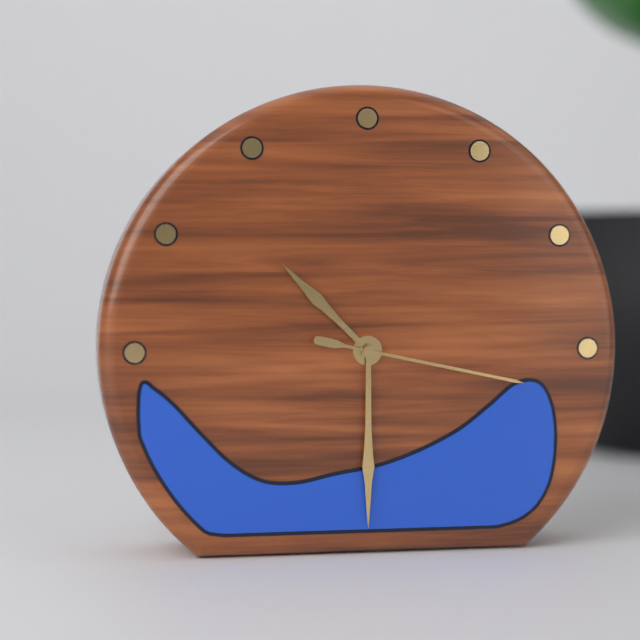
10:30:17
